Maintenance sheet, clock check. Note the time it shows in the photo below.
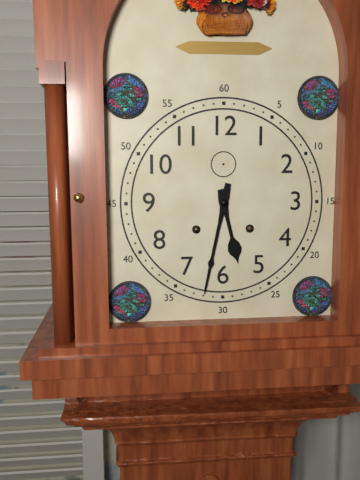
5:32
